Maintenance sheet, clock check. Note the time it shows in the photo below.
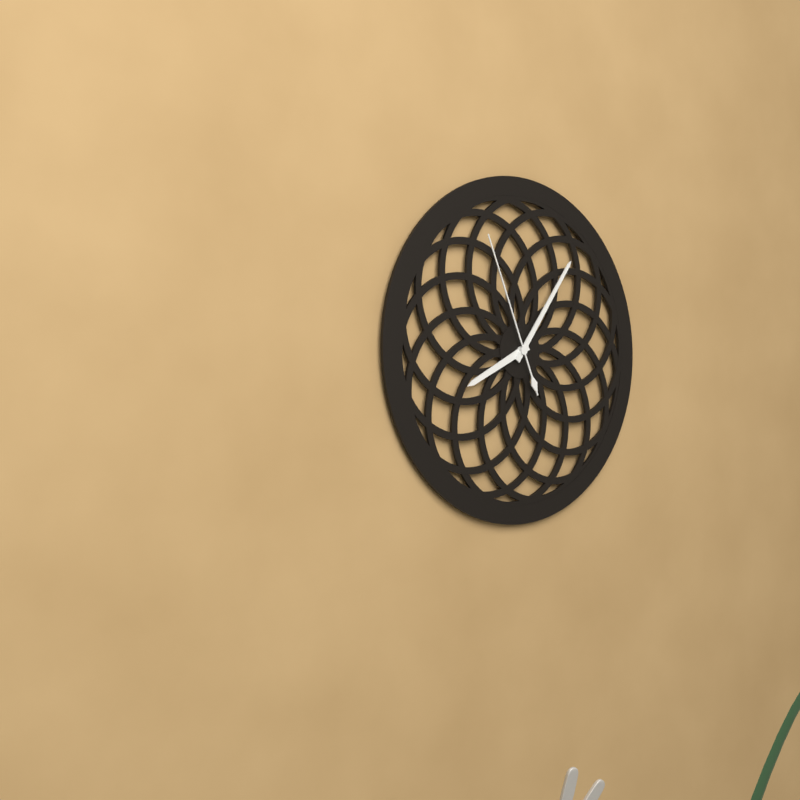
8:06:56
